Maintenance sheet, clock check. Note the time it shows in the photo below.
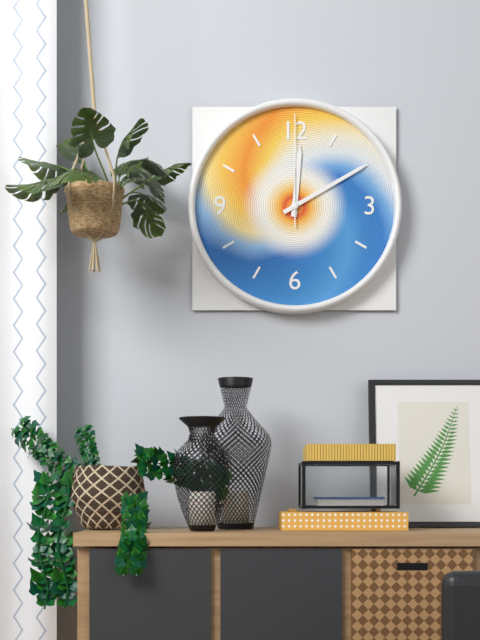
12:10:00
